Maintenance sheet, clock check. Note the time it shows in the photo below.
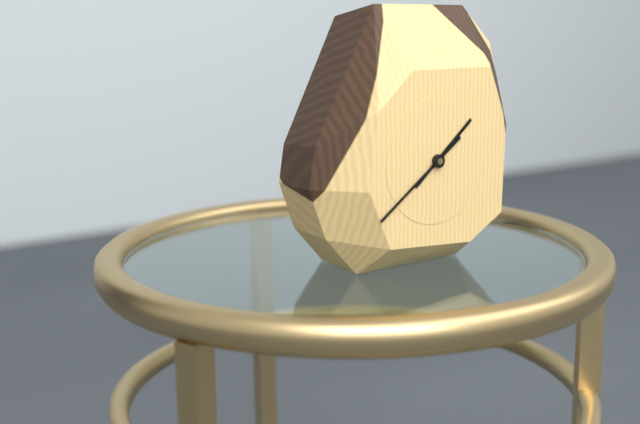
1:39
